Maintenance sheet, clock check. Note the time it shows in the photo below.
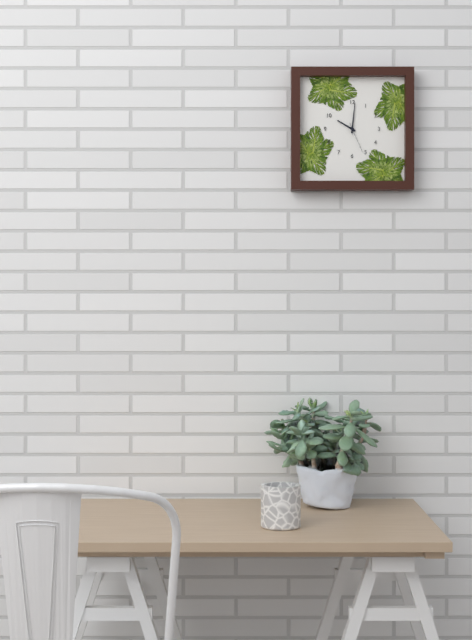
10:01
